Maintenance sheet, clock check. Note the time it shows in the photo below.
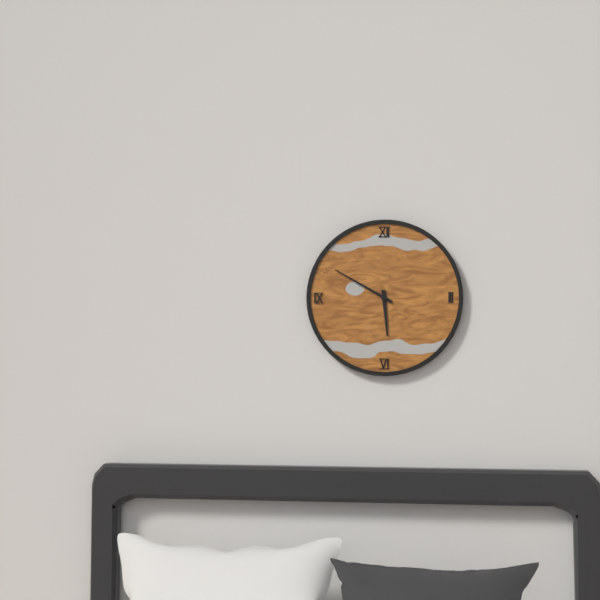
5:50
